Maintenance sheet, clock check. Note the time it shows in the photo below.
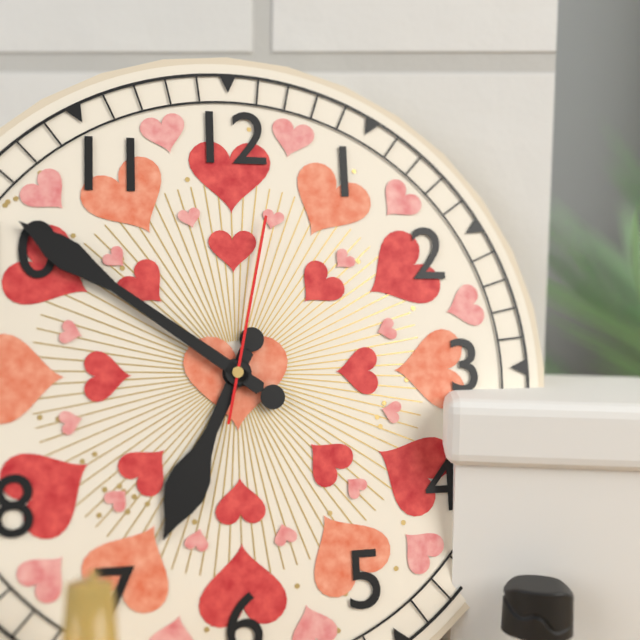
6:51:02
